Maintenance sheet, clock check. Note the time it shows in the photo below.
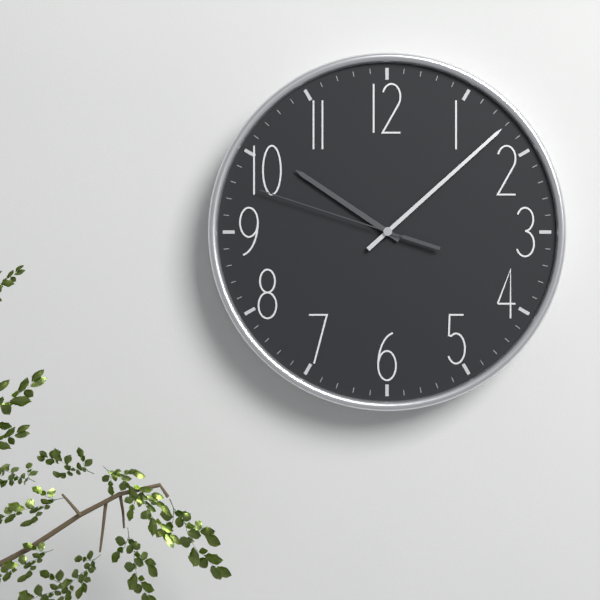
10:08:48
